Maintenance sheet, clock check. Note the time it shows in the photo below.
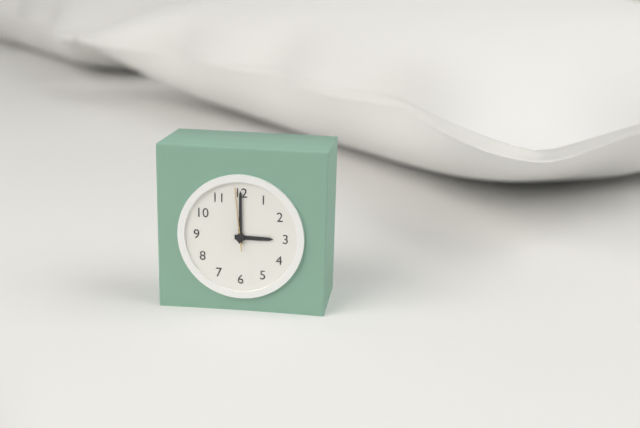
3:00:59
